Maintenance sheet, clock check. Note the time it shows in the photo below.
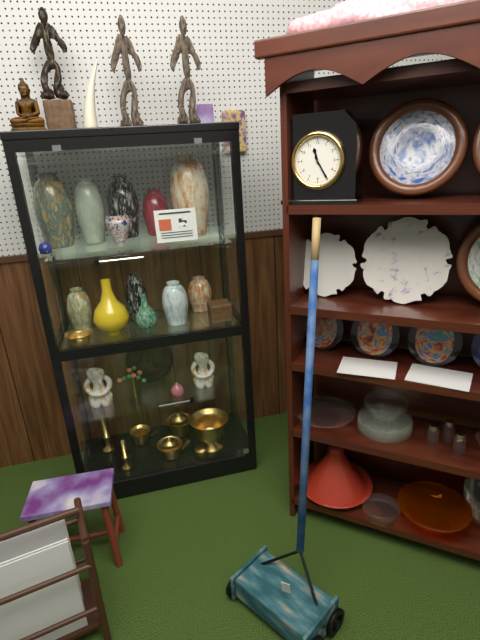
11:25
